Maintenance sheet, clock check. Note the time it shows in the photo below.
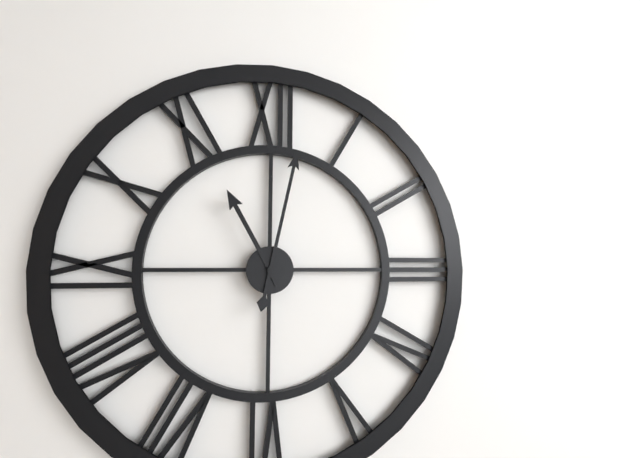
11:02
